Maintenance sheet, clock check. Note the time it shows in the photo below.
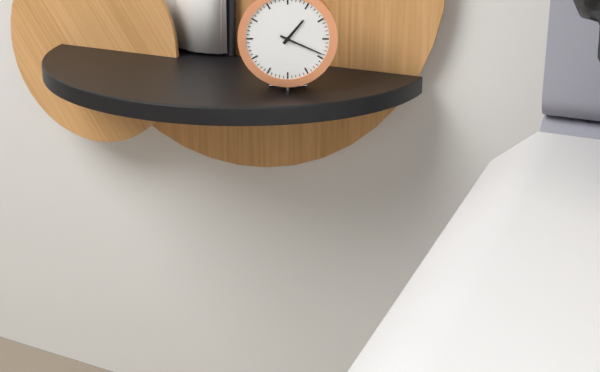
1:19
